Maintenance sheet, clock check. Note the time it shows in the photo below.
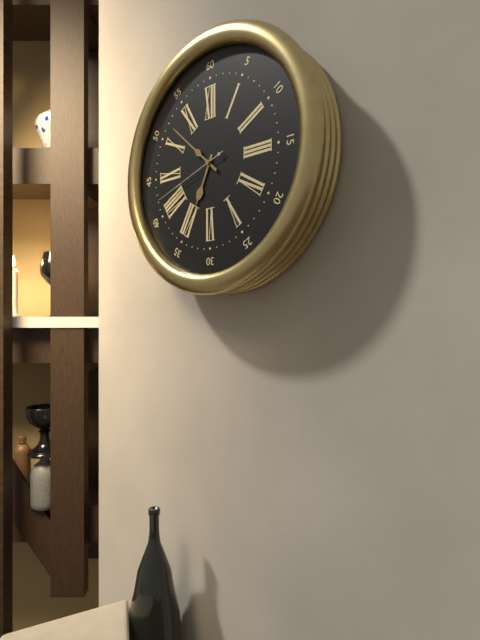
6:52:42
